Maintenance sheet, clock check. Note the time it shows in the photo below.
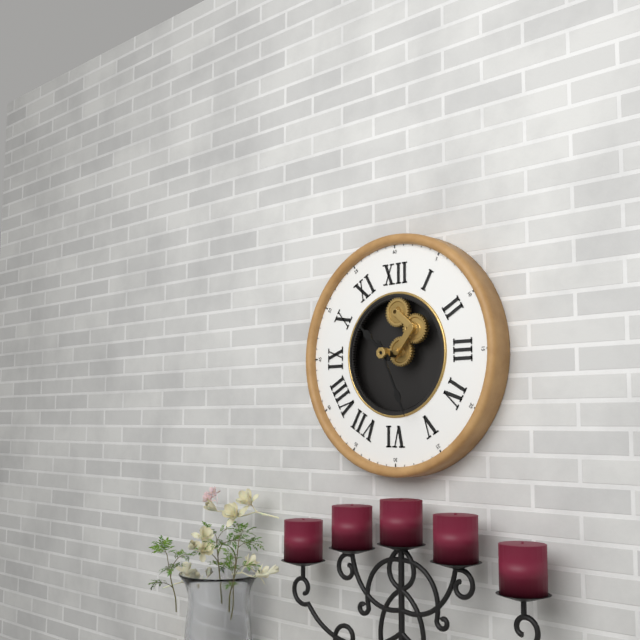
10:26
